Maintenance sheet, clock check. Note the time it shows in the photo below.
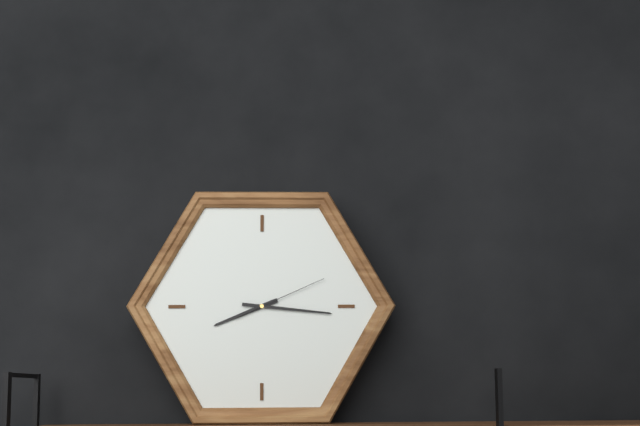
8:16:11
